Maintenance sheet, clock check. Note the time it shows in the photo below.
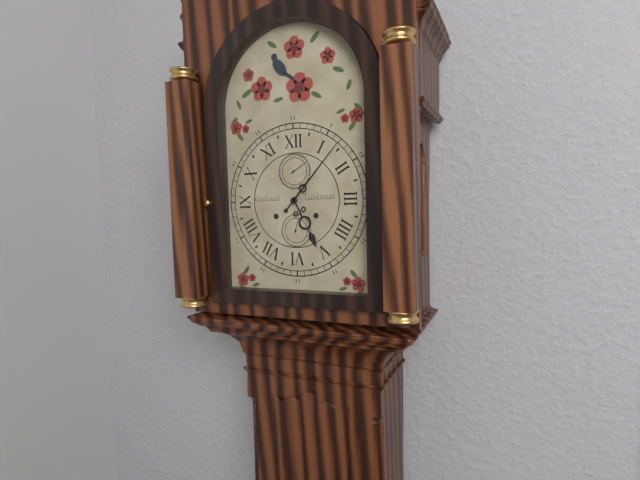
5:07
